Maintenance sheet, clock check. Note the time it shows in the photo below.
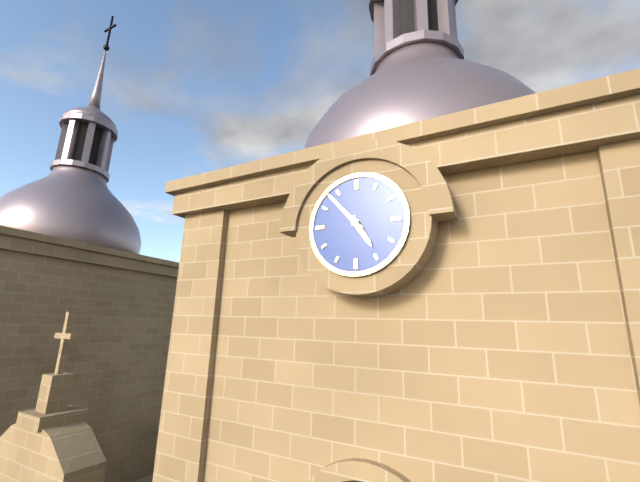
4:53
